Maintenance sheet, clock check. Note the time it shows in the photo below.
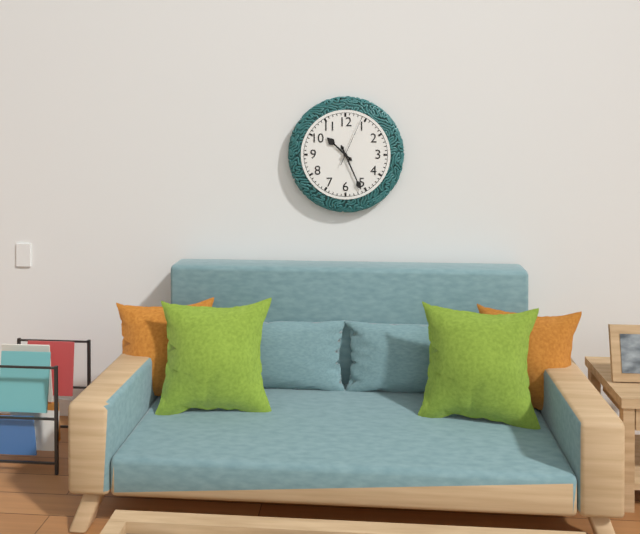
10:26:04
